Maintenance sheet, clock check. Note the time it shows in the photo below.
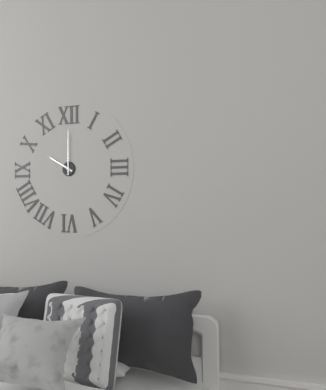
10:00
